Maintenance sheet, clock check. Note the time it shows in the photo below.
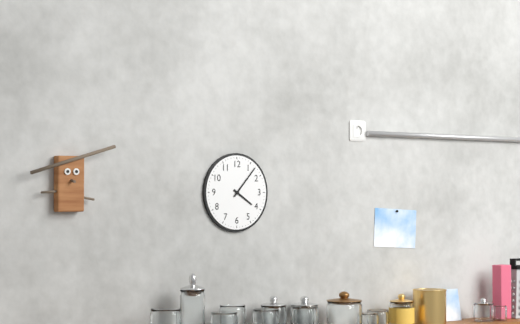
4:07
